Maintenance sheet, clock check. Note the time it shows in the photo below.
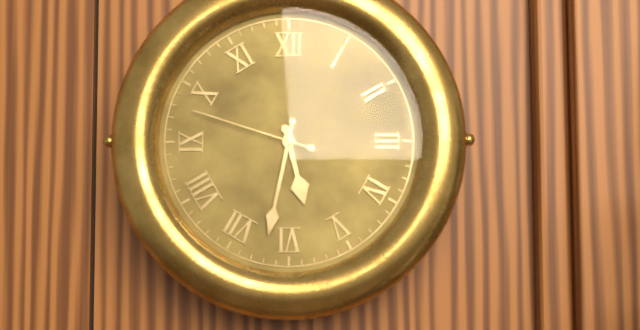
5:32:48
